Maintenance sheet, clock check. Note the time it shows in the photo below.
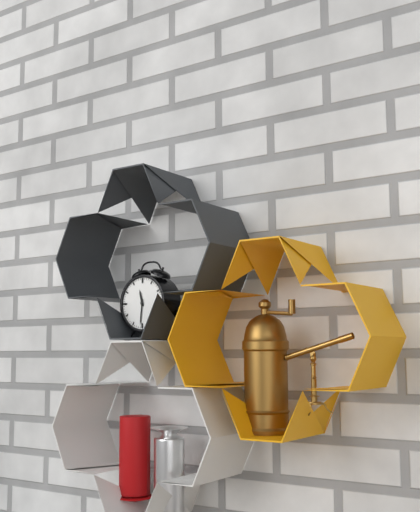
11:31
